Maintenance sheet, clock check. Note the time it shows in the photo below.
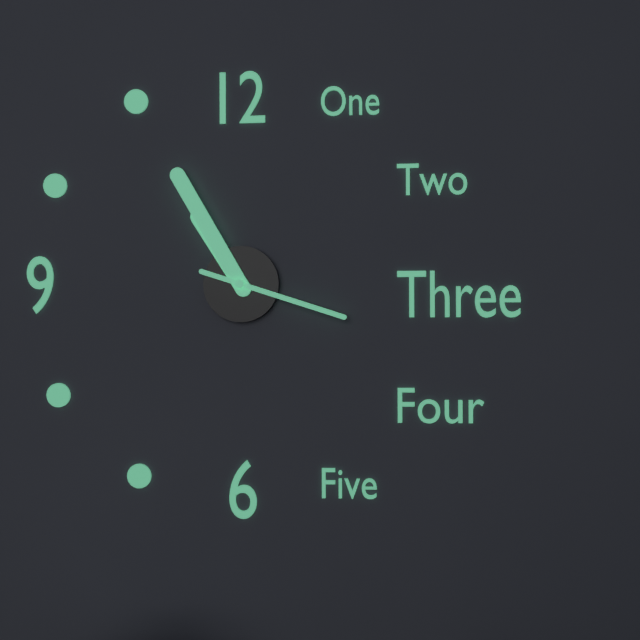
10:55:18
